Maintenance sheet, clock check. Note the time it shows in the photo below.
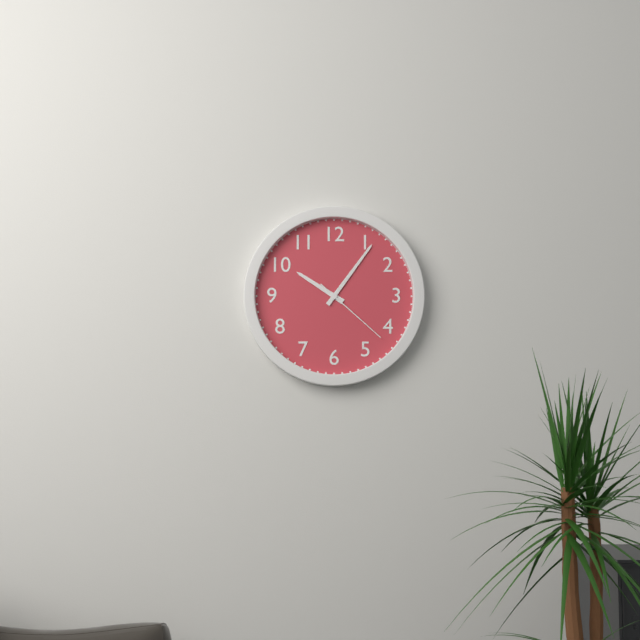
10:06:22
